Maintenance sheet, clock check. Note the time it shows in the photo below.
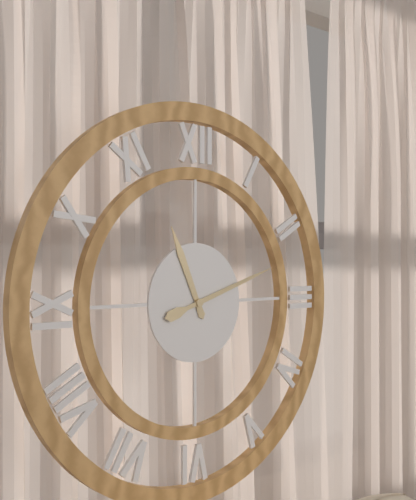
11:12
